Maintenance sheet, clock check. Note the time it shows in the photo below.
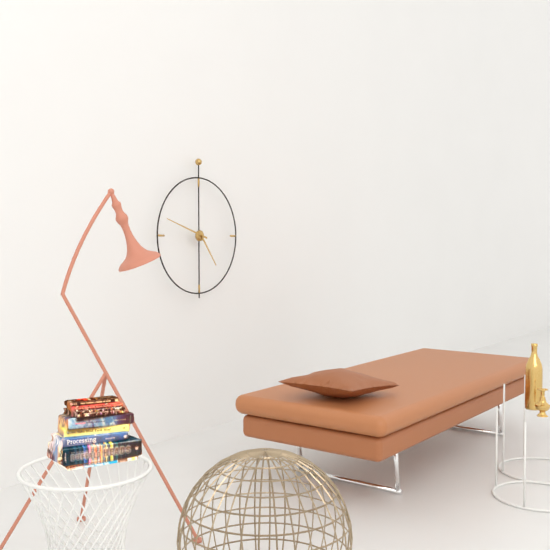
4:48
